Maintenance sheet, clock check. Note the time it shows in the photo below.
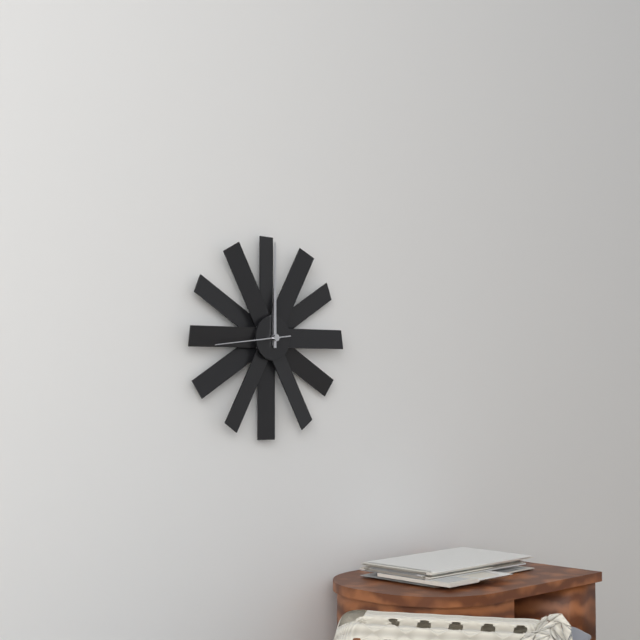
12:00:44
